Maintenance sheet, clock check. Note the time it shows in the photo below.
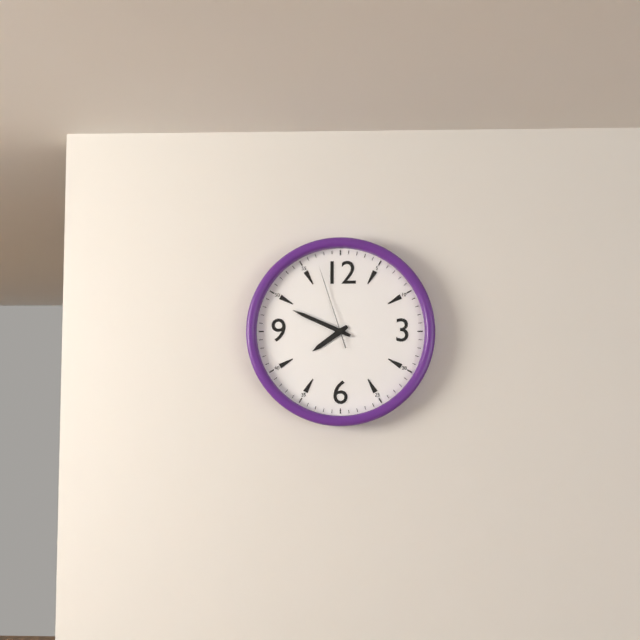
7:49:57
